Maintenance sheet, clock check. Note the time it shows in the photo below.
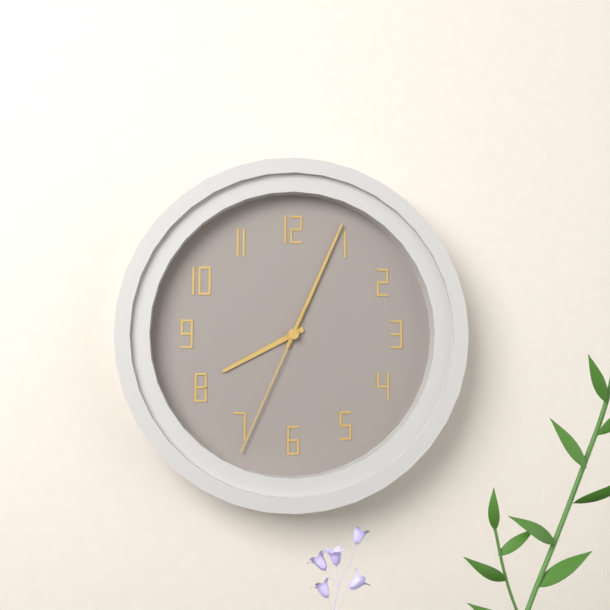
8:04:34
